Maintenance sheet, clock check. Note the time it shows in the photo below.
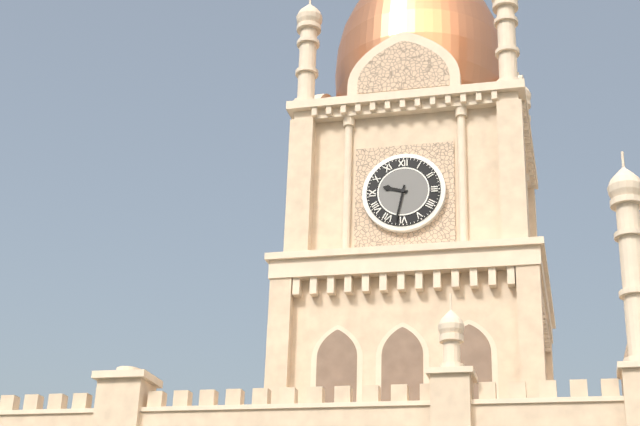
9:32
